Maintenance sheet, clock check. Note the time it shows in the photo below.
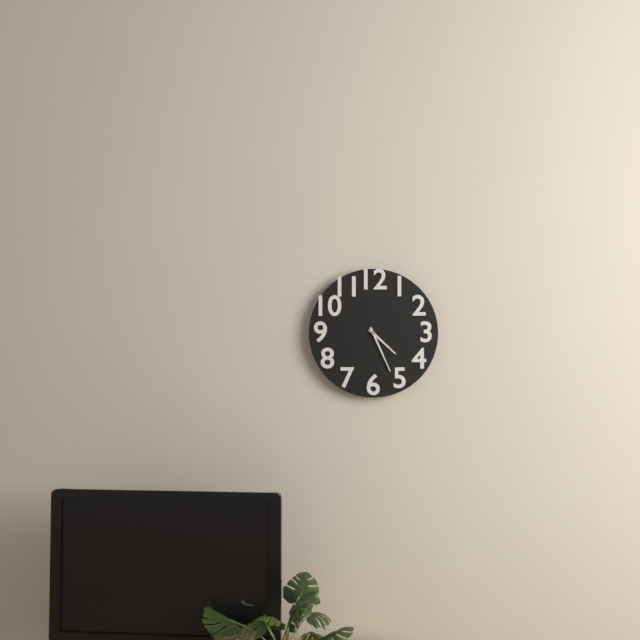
4:26
